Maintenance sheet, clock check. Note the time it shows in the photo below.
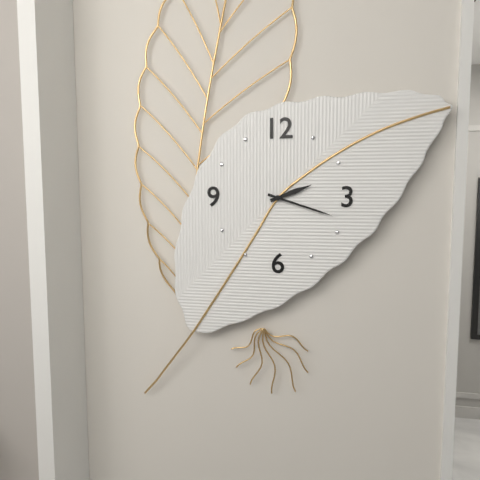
2:18
